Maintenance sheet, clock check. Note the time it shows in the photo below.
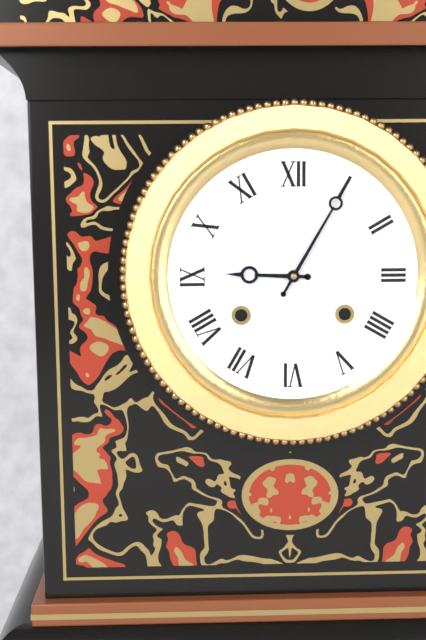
9:05
